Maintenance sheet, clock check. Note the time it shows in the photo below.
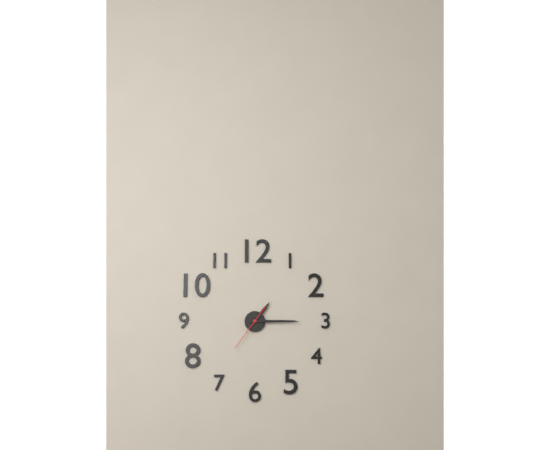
1:15
